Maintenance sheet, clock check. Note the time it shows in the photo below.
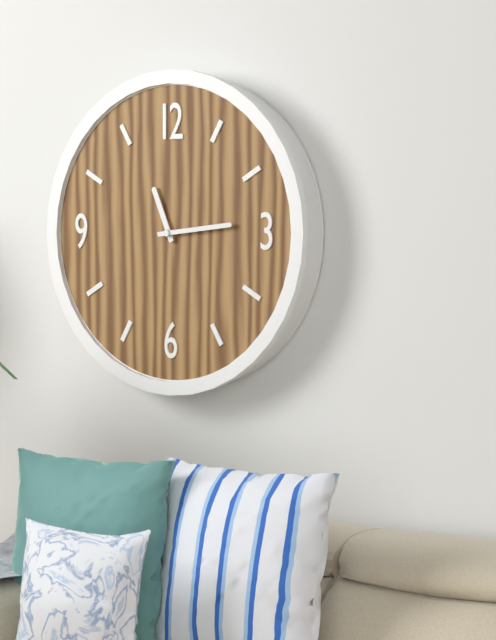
11:14
